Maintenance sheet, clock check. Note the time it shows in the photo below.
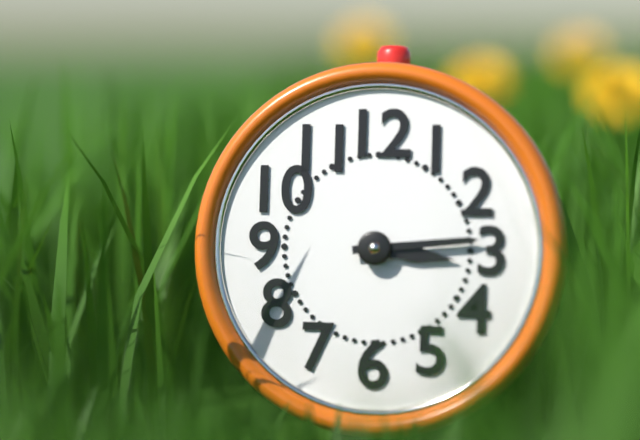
3:14
